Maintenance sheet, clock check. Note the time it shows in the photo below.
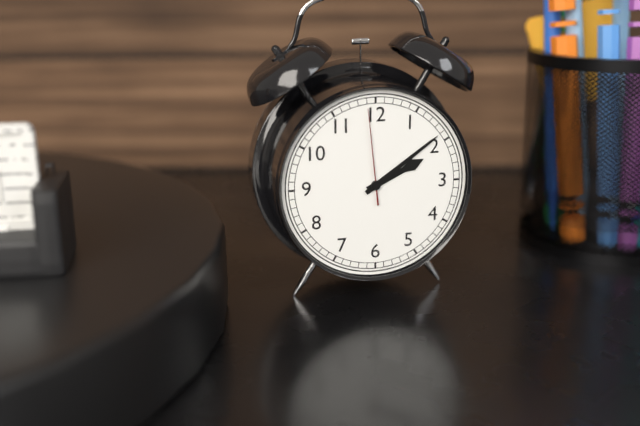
2:09:59
